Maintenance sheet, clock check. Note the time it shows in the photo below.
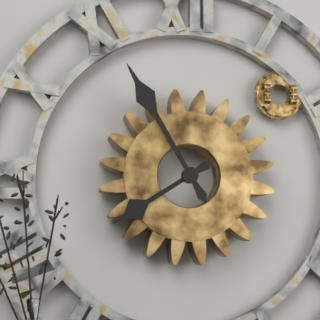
7:55
